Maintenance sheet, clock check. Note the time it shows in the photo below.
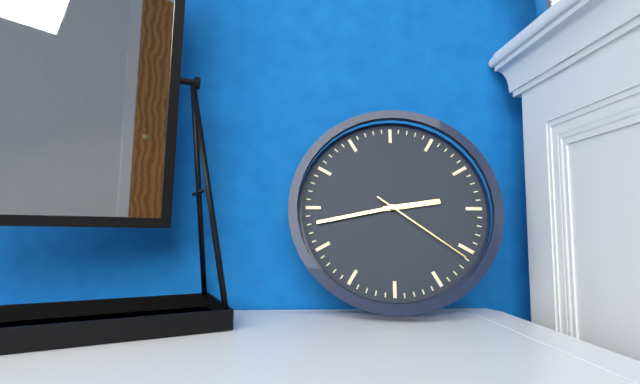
2:43:21
